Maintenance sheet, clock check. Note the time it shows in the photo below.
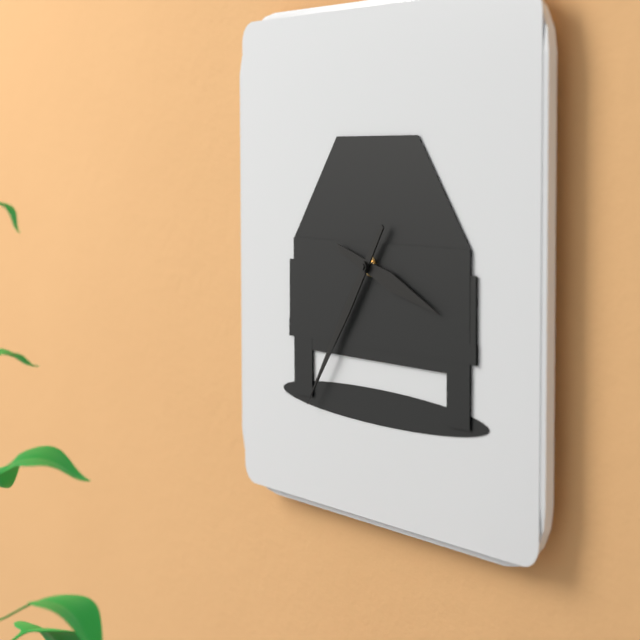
3:36
